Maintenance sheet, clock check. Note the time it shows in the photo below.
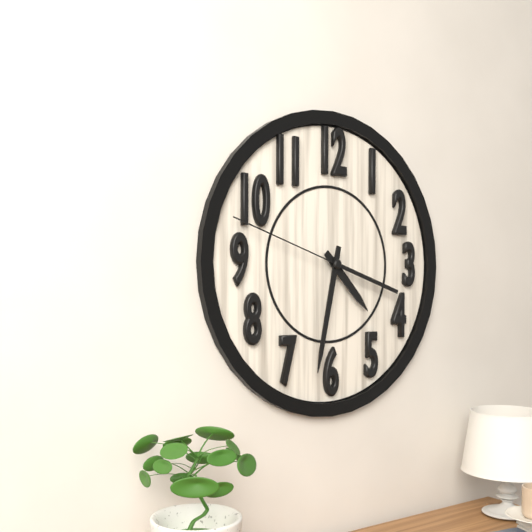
4:32:48
